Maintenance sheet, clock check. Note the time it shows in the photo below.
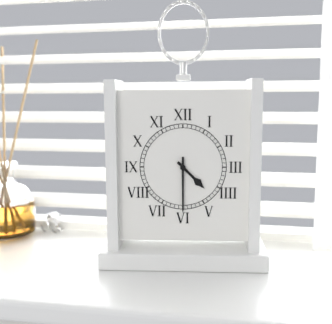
4:30
